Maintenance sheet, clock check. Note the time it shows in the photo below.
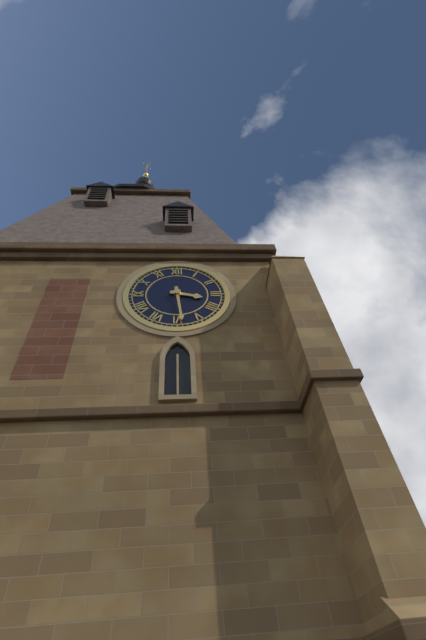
3:29
